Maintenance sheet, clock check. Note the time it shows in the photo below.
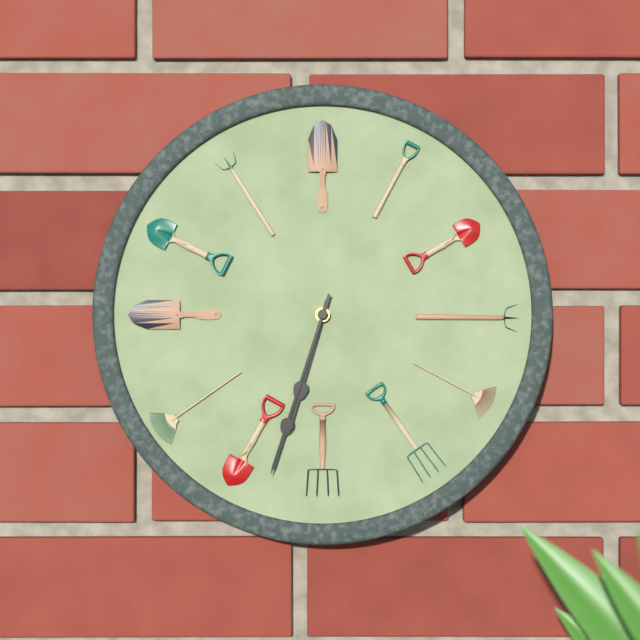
6:33
